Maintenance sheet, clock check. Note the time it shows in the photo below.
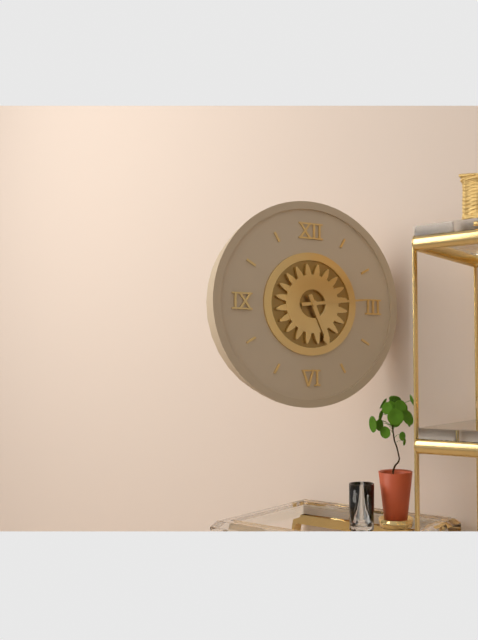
5:14
